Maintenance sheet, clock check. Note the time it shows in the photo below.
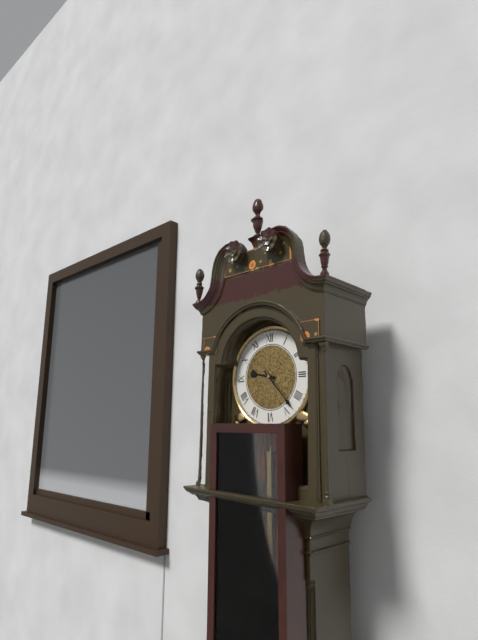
9:23
